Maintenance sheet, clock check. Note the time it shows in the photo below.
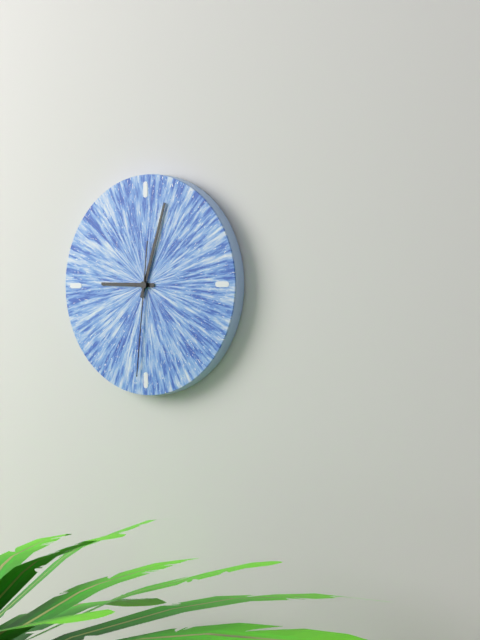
9:03:31
